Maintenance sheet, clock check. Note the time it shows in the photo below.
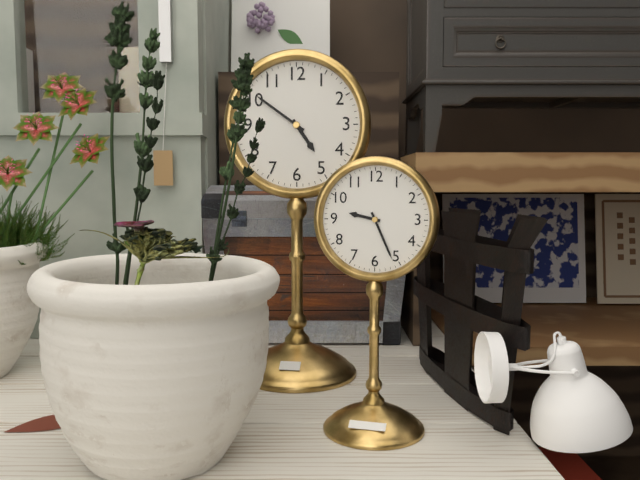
4:51
